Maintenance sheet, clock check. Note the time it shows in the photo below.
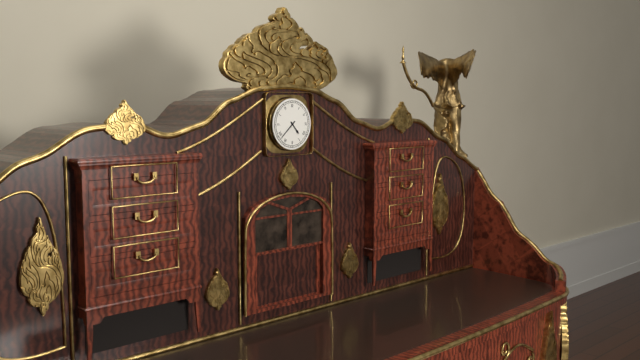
4:38
